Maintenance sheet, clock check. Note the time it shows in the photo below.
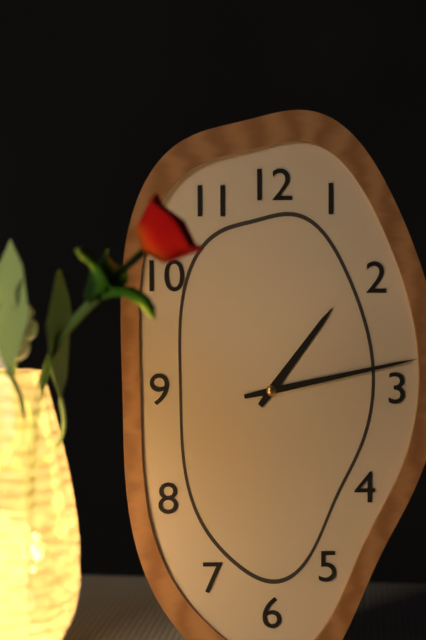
1:13
